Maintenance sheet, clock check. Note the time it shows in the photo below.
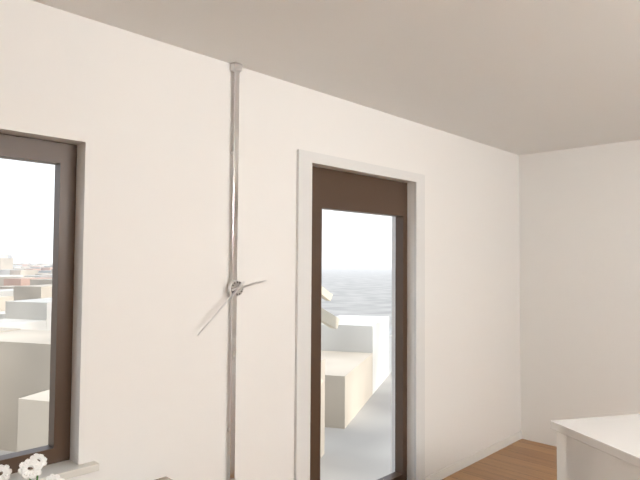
2:38
